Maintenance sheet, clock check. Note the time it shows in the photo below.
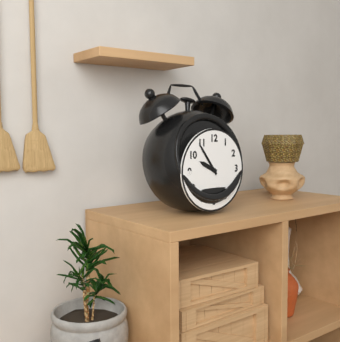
9:54
